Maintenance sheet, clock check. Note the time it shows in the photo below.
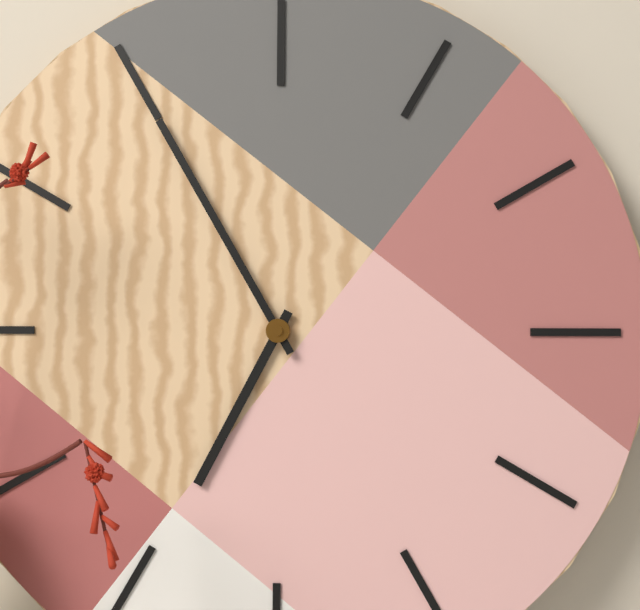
6:55
